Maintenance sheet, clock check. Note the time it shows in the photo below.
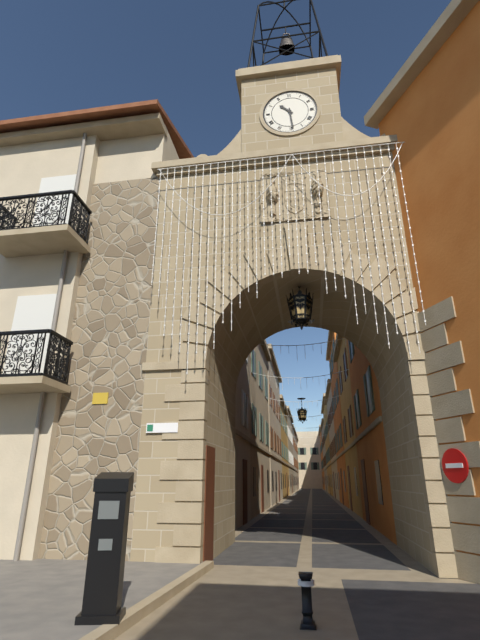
10:29
